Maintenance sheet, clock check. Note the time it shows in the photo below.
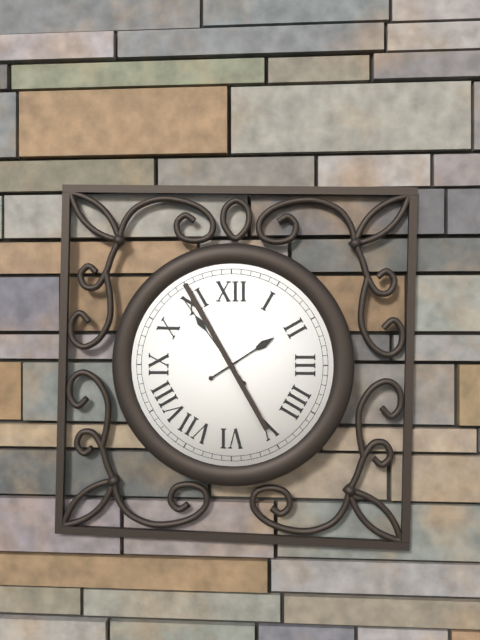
1:54
